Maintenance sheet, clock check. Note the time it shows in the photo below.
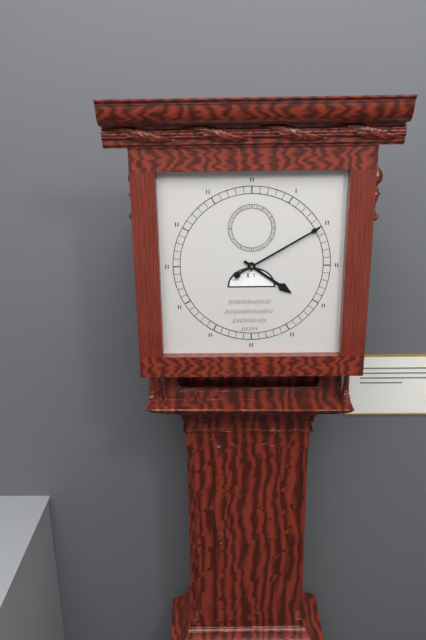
4:10
